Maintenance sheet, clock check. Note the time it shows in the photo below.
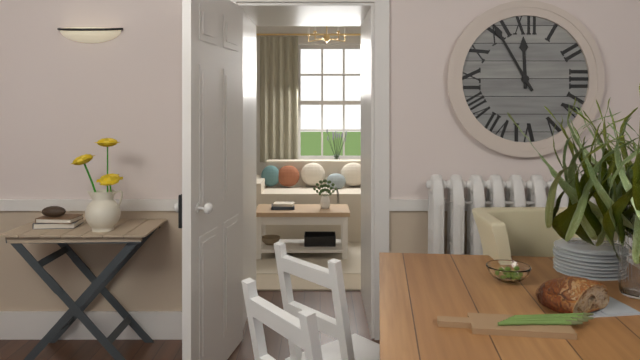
11:55
